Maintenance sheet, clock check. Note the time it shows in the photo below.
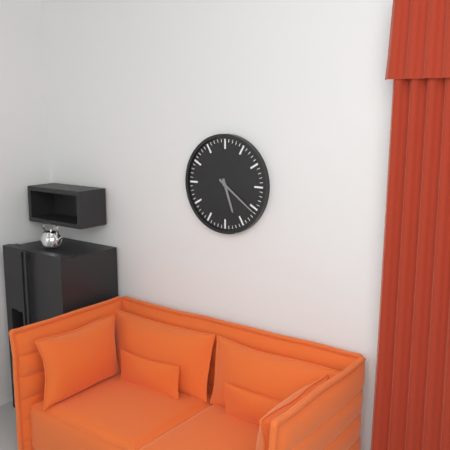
5:21
